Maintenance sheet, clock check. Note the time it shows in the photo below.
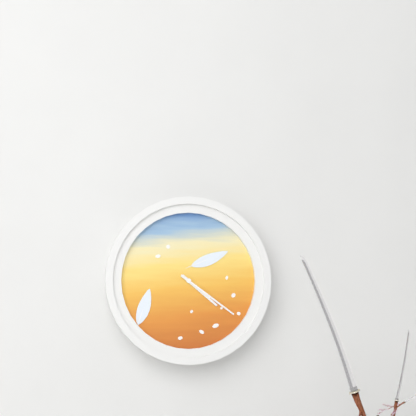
4:21
